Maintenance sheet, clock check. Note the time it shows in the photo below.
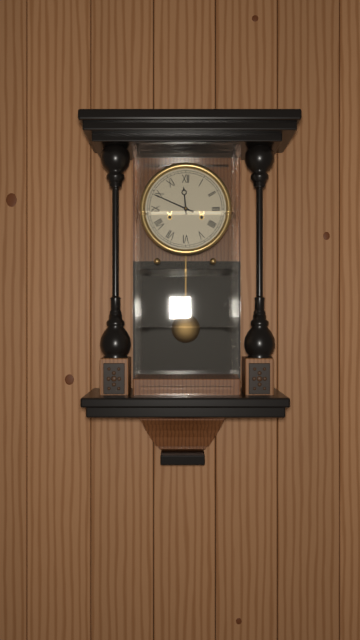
11:49
